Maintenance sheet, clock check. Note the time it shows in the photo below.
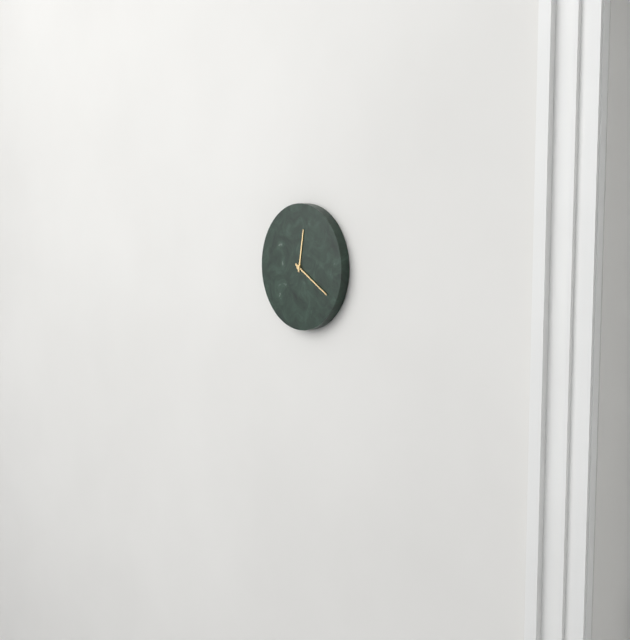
12:20
